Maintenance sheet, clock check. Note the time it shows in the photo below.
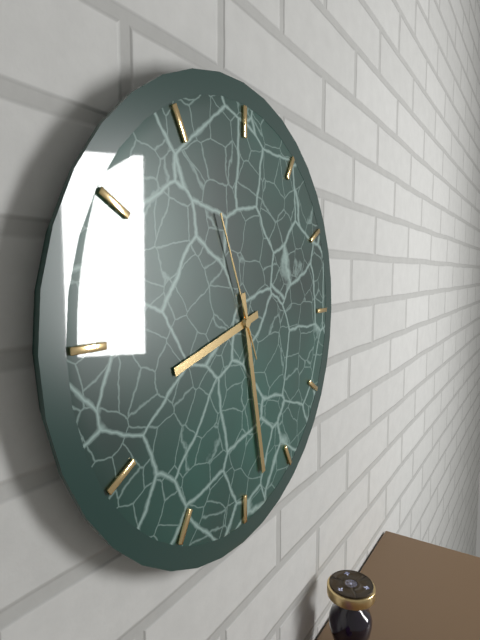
8:28:56
